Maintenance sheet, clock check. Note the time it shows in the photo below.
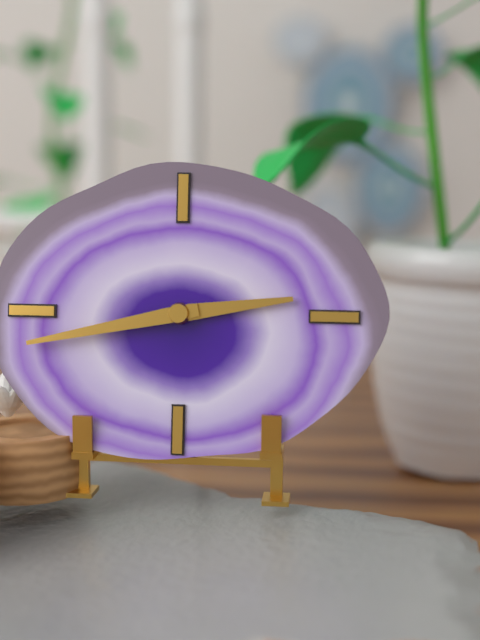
2:43
